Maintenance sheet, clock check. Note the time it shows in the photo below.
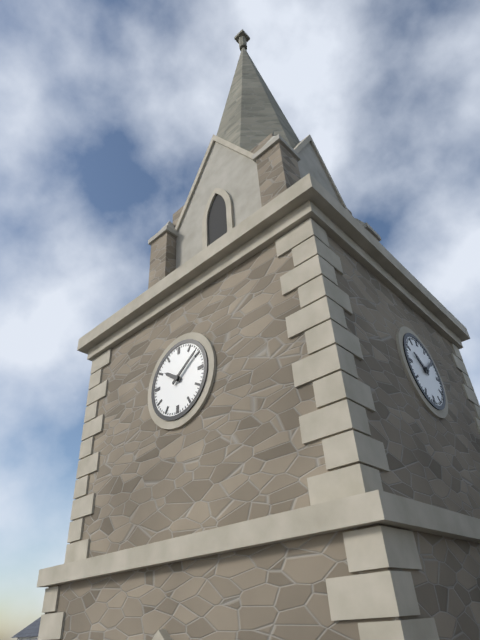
10:09
